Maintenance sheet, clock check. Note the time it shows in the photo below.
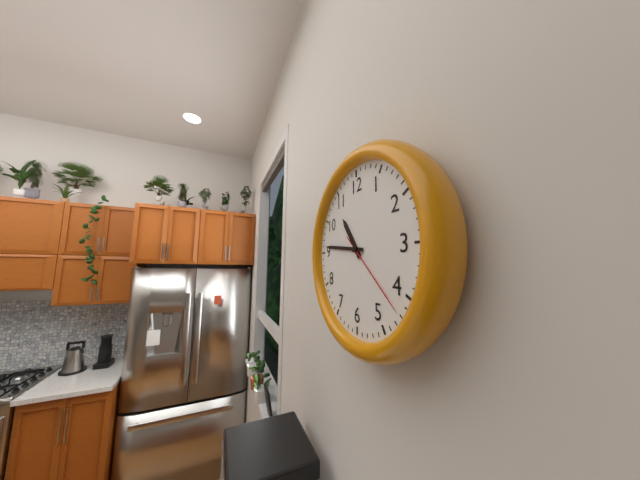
10:46:22
